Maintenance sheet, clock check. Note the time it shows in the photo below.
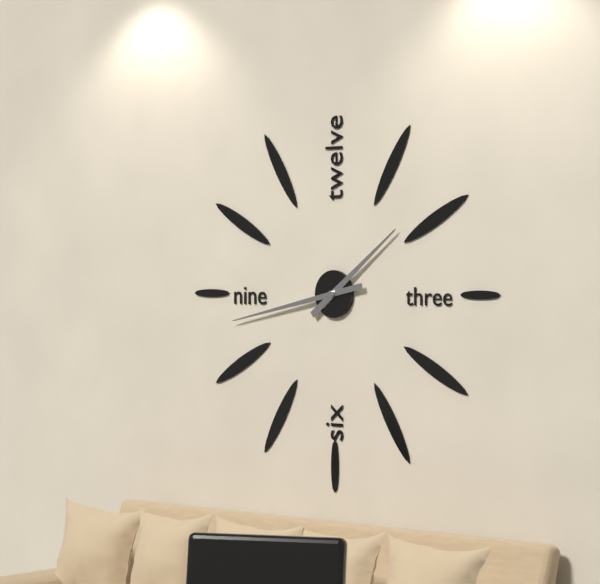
1:43
